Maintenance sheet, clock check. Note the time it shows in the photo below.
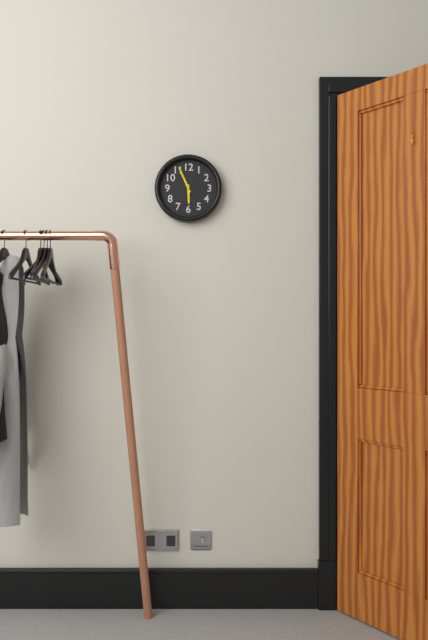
5:56
